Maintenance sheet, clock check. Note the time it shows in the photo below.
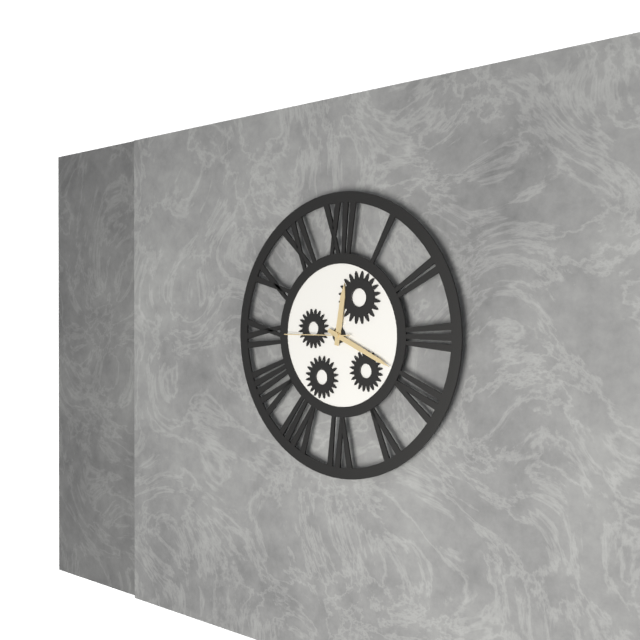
12:19:45
